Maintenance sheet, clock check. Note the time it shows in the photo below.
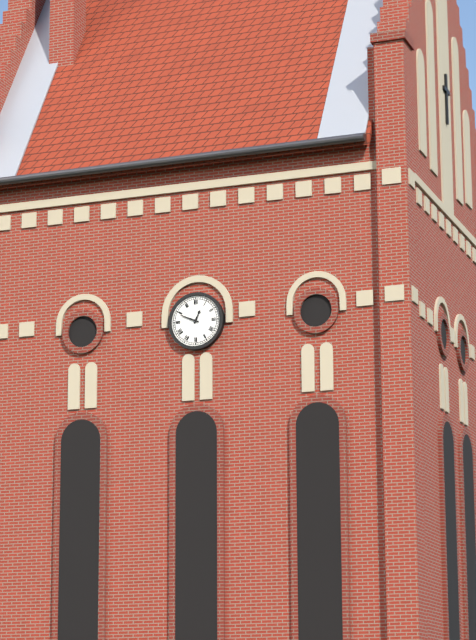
12:49
